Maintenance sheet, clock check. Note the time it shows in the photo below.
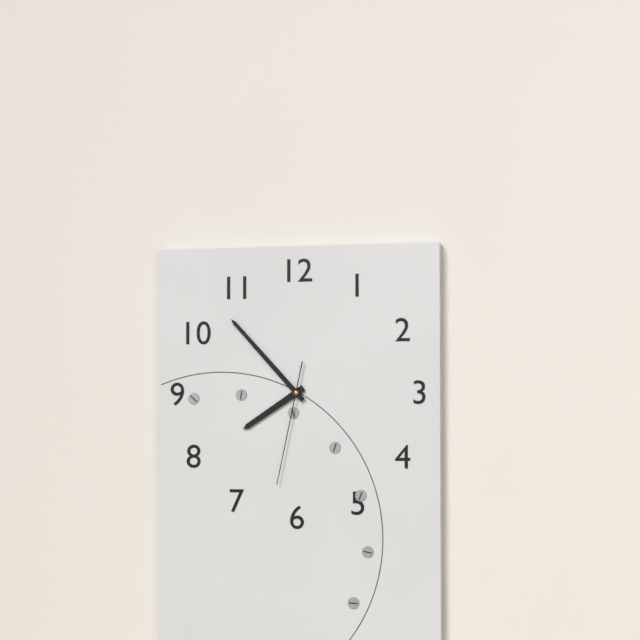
7:53:32
